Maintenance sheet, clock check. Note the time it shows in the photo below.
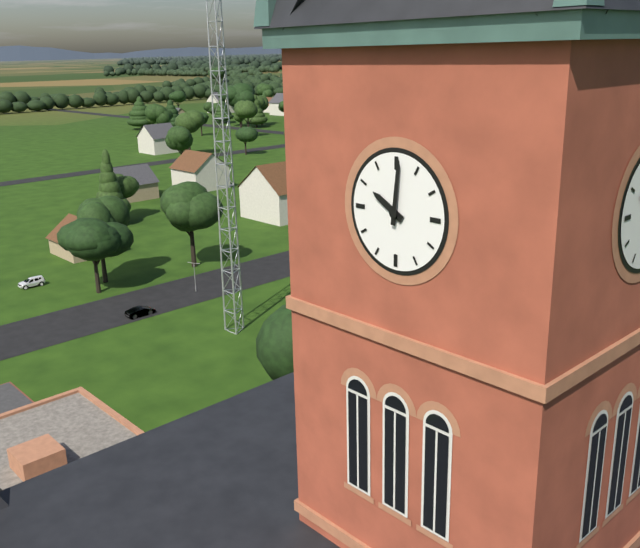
10:01
